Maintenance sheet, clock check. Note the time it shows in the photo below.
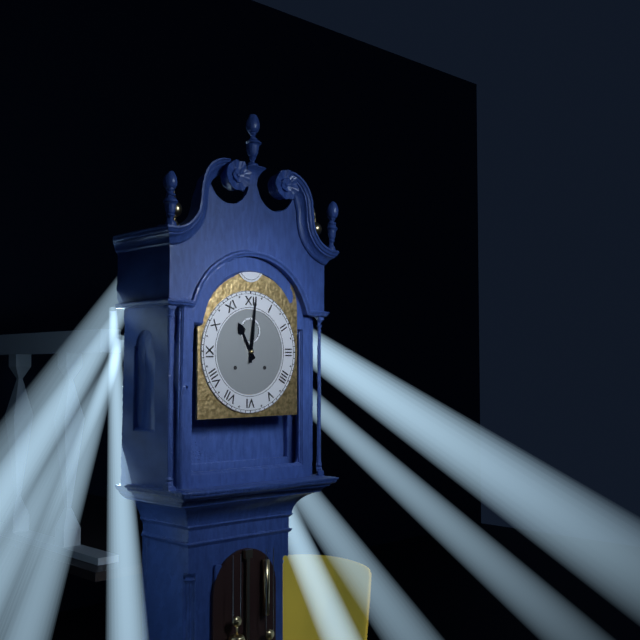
11:01
